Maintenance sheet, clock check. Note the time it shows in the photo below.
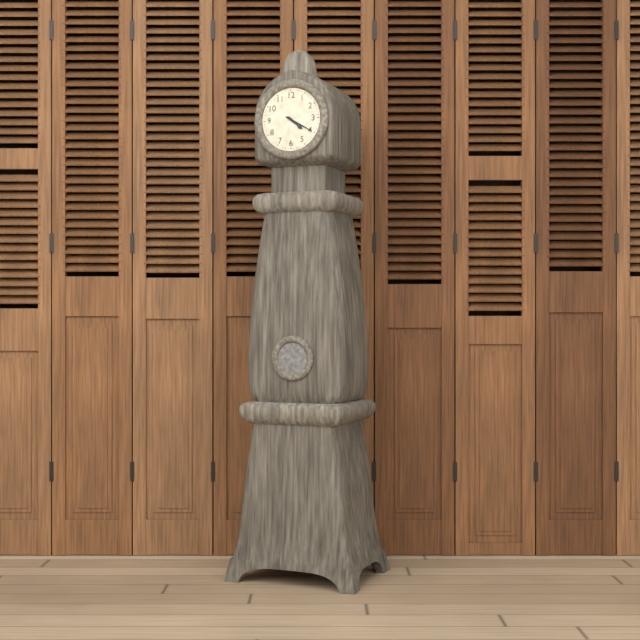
4:20
